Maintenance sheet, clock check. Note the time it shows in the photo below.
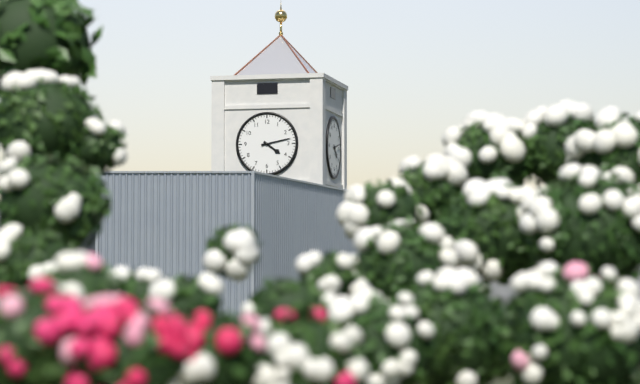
4:13
